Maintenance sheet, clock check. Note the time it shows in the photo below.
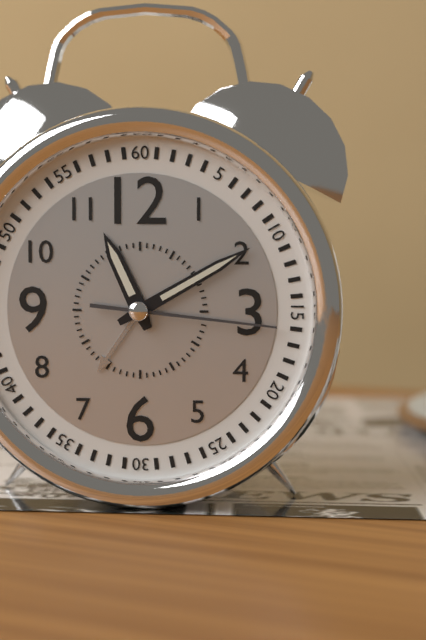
11:10:16
